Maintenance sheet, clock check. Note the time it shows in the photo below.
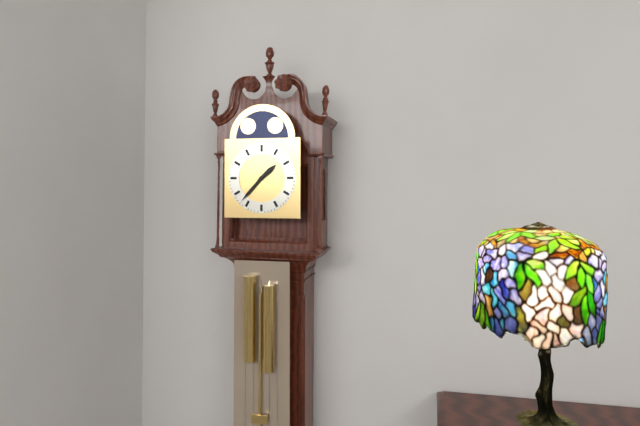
1:37
